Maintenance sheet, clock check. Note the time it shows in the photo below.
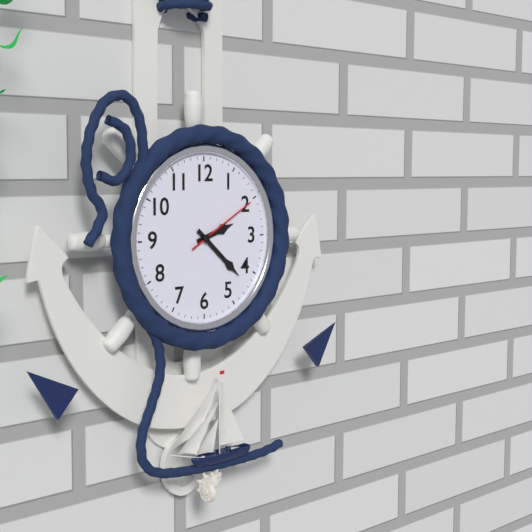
2:22:10
